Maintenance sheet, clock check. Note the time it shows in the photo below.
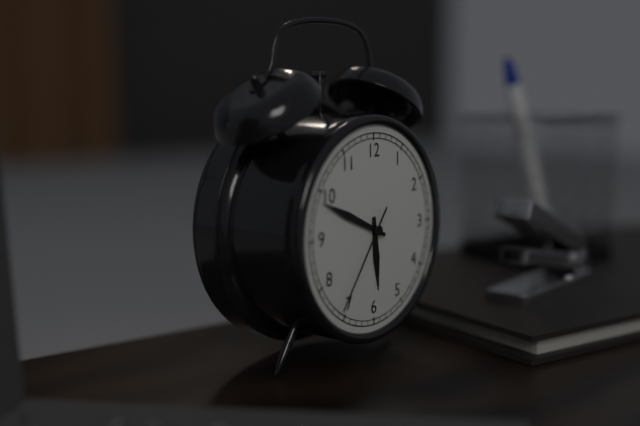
5:49:36
